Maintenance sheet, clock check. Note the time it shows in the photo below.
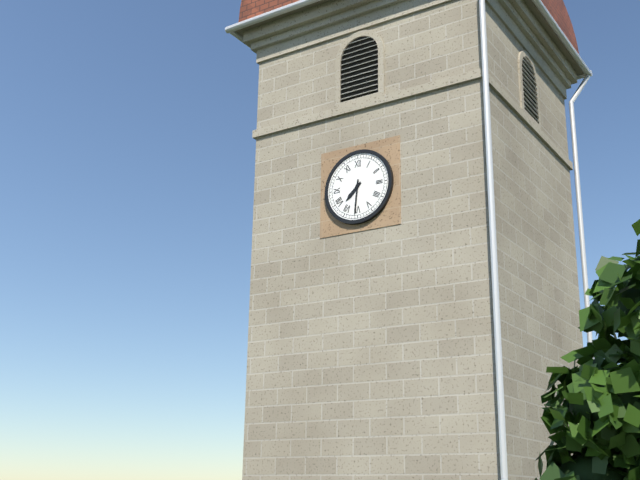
7:31
